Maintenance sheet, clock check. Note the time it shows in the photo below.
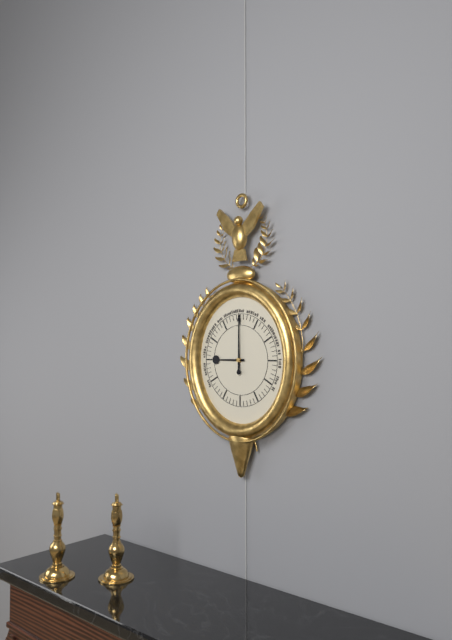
9:00
